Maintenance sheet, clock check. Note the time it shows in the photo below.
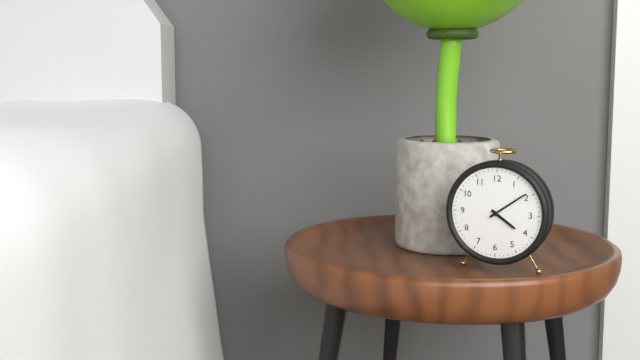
4:09
